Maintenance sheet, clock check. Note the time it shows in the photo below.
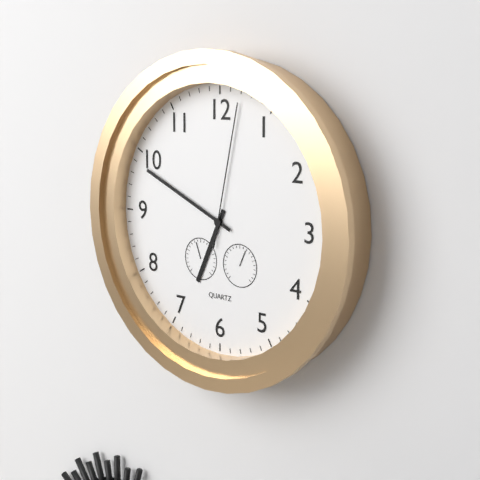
6:49:02
